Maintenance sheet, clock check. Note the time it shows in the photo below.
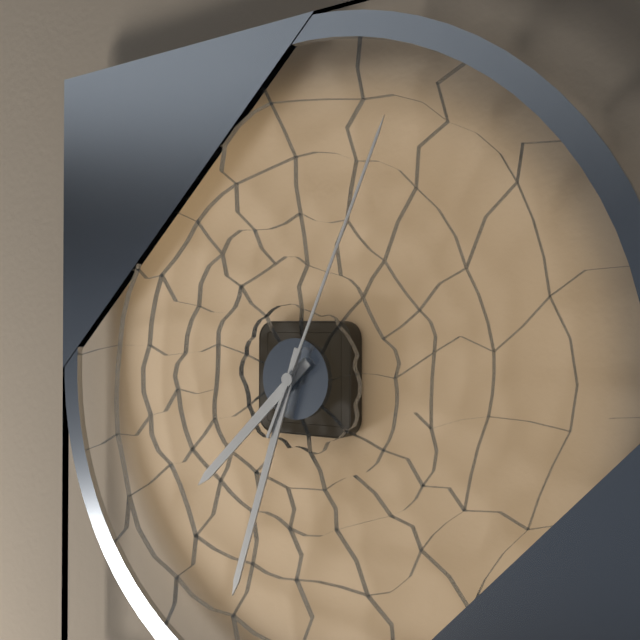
7:33:04
